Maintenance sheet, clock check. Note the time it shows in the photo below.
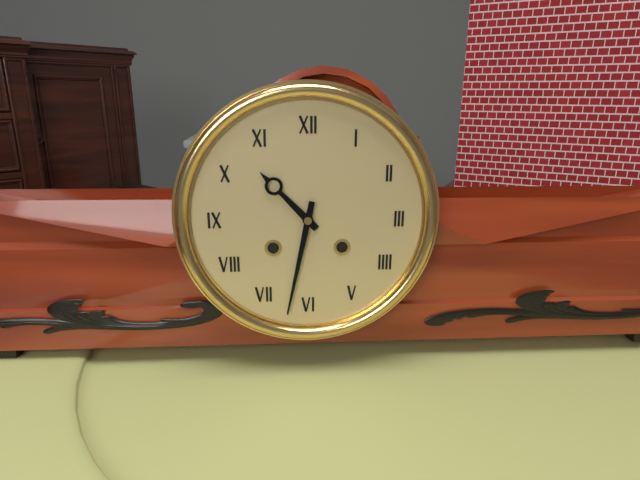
10:32
